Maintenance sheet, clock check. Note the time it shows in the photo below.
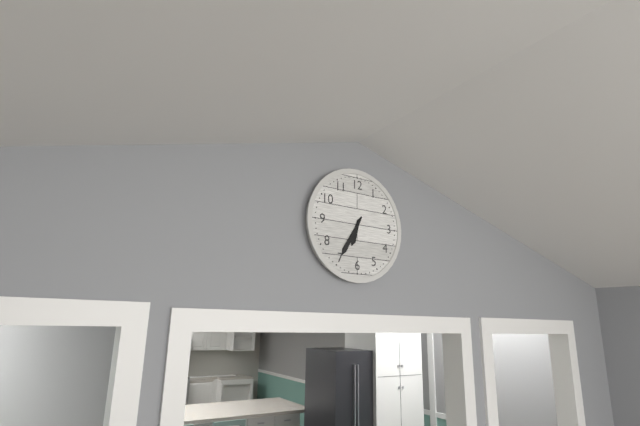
6:35
